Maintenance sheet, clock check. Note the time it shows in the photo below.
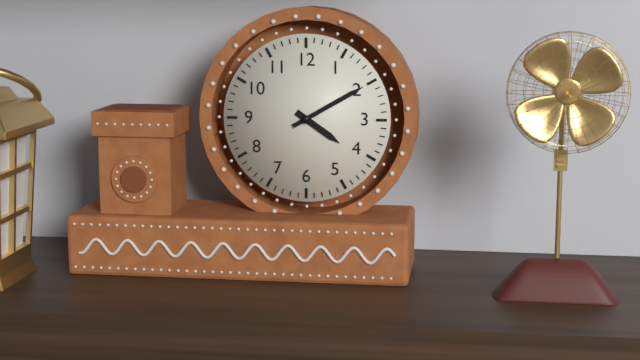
4:10
